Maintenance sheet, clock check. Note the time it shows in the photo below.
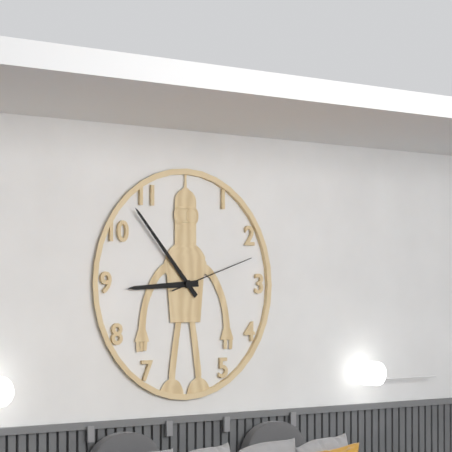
8:53:12
